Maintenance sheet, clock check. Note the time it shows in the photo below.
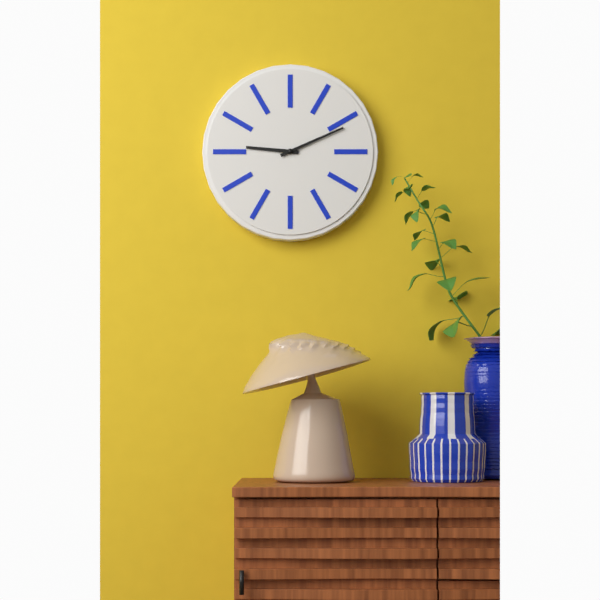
9:11
